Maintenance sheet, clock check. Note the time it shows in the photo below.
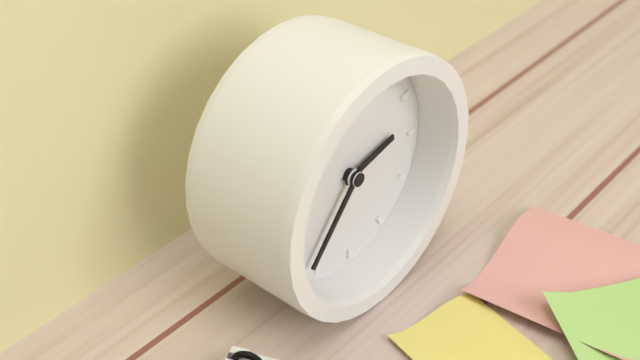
2:37
